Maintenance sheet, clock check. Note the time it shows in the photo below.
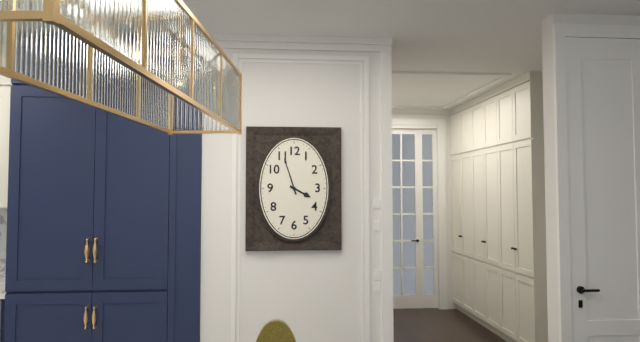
3:57
